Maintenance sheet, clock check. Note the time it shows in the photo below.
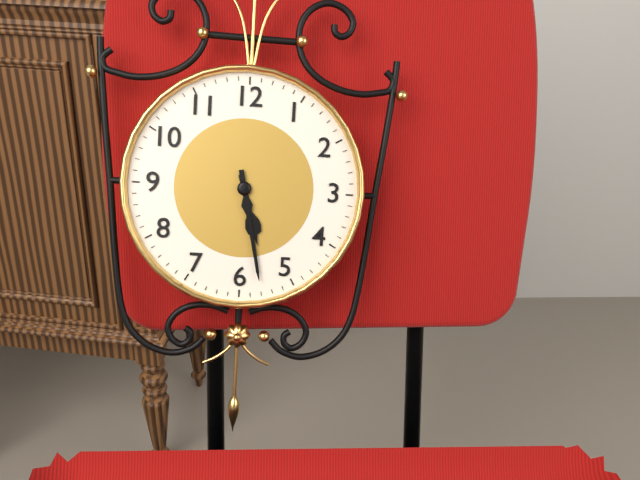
5:28
